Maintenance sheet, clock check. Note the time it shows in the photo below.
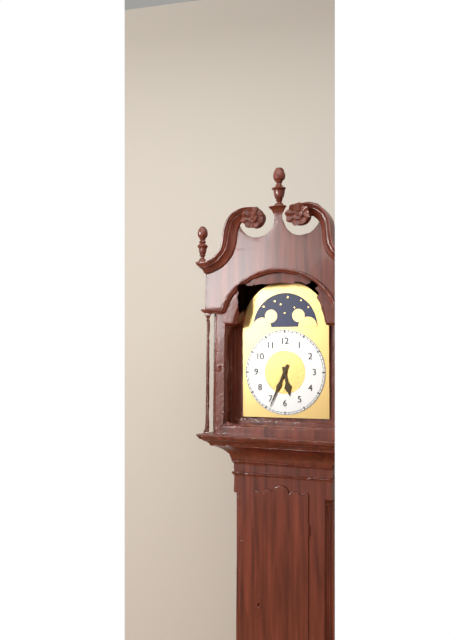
5:34
